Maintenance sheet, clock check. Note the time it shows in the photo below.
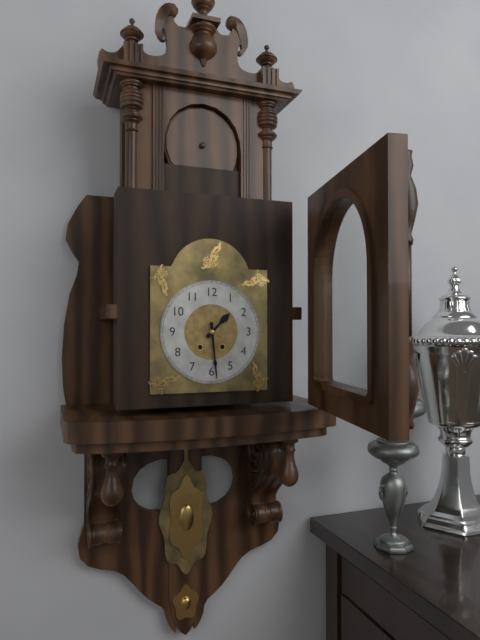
1:29
